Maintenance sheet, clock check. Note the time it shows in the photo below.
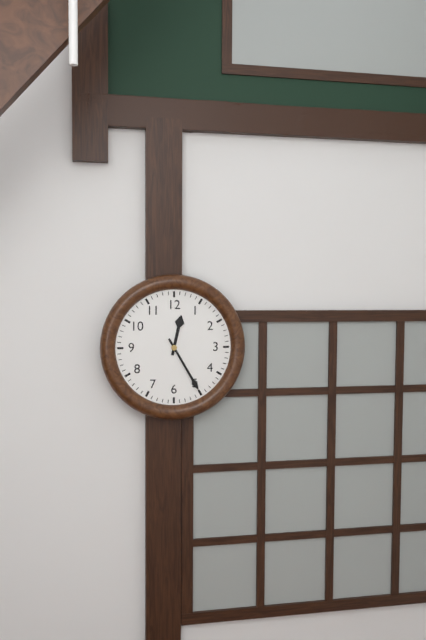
12:25
